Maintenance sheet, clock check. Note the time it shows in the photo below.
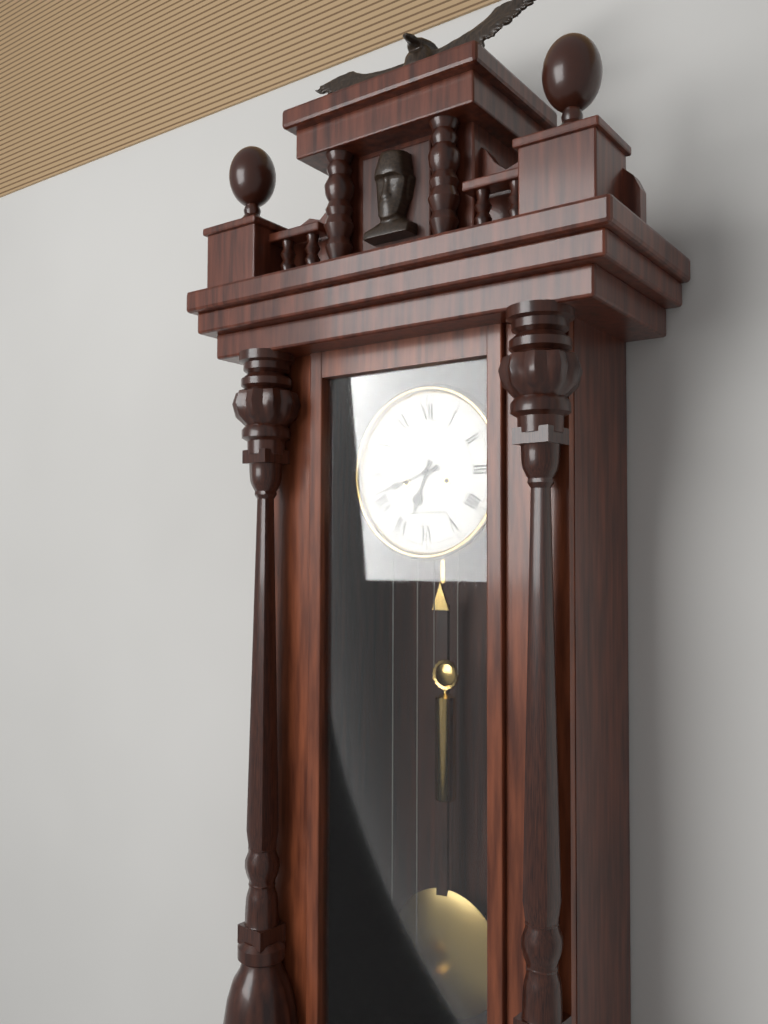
6:42
